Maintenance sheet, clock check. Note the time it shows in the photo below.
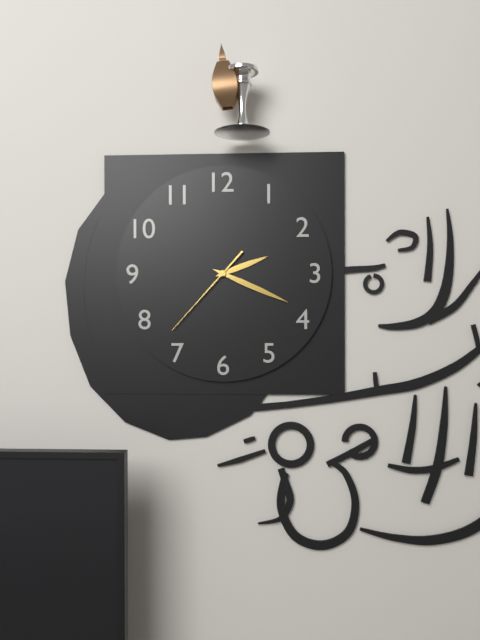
2:19:37
